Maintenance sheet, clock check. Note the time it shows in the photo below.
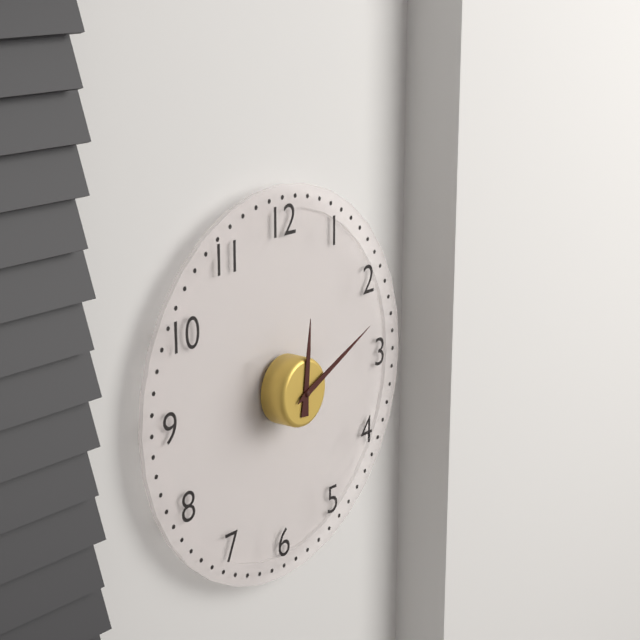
12:11
